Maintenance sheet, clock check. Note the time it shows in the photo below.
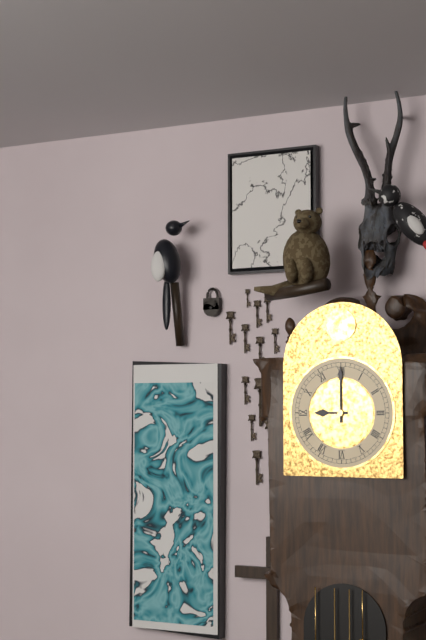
9:00
